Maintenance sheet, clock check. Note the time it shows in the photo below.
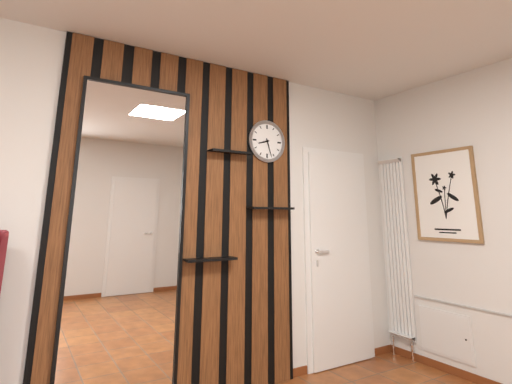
8:27
